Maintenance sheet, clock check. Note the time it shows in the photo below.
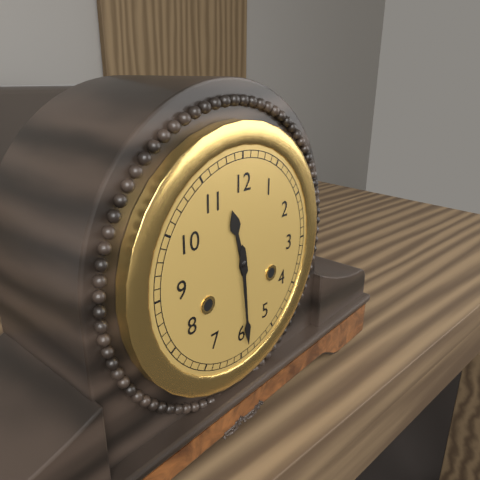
11:29
